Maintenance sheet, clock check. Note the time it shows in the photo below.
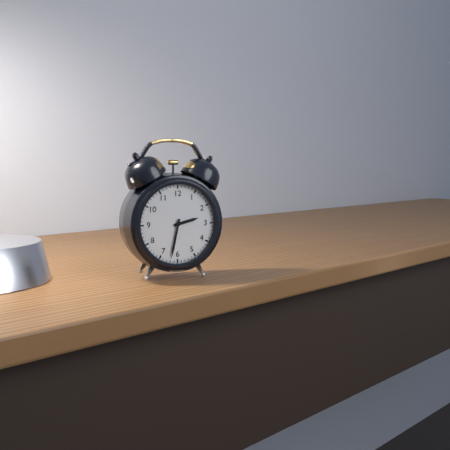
2:32
